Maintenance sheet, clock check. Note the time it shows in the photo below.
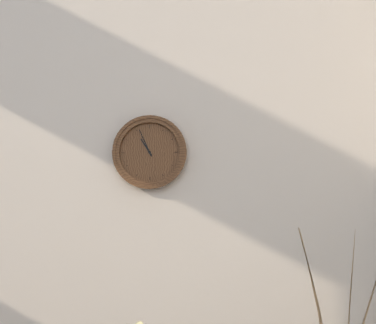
10:56
